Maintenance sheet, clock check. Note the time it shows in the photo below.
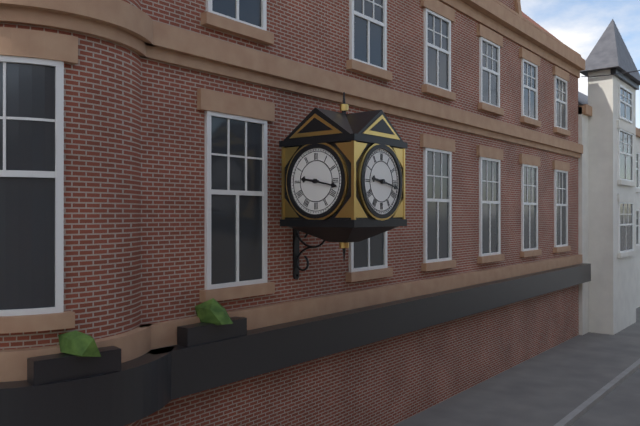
9:17
